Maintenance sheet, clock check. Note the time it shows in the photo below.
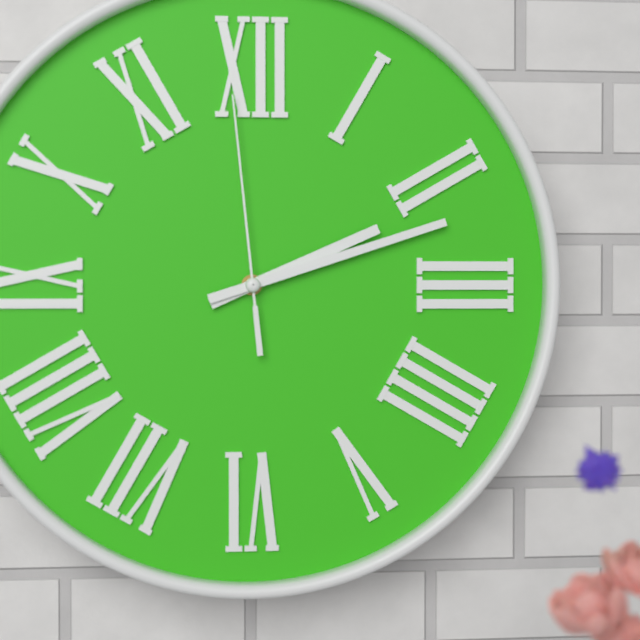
2:12:59
